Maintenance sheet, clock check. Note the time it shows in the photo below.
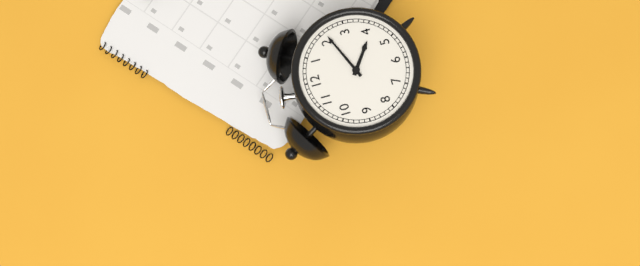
4:11
